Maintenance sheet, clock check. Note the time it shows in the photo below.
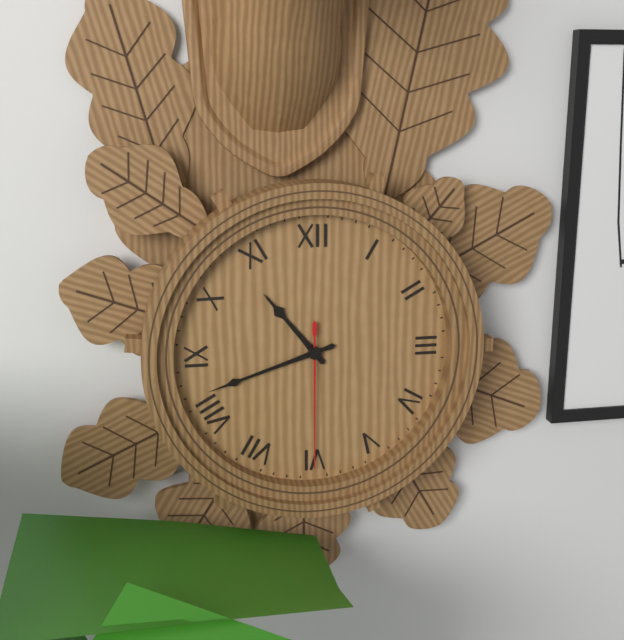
10:42:30
